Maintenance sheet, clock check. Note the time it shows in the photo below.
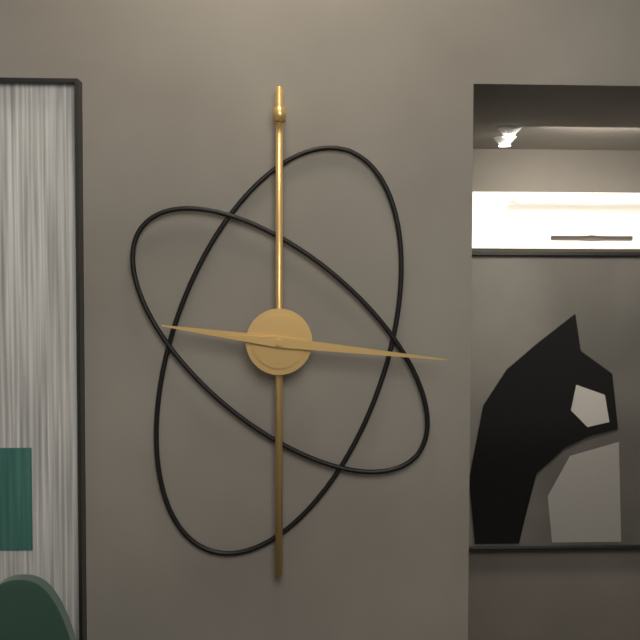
9:16
